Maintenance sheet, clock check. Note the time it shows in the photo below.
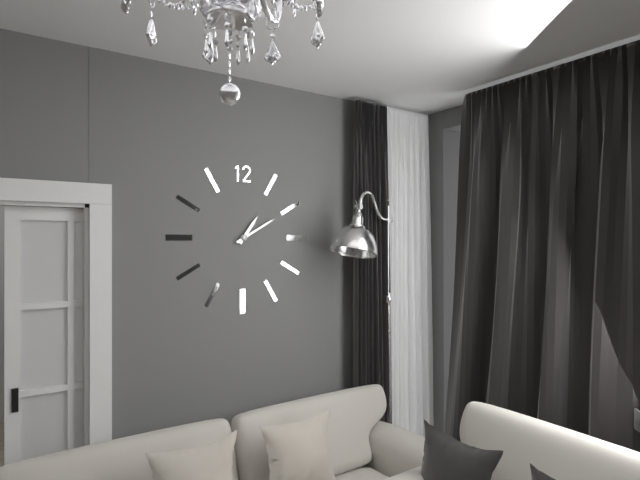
1:10
